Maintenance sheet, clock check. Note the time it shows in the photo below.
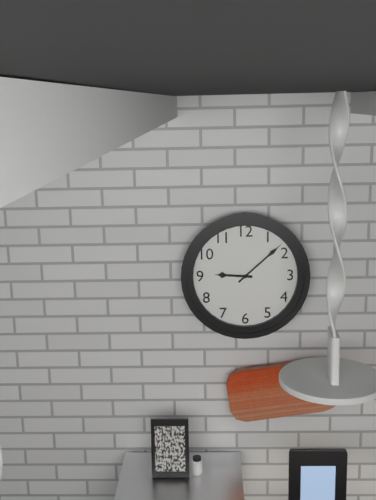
9:08
